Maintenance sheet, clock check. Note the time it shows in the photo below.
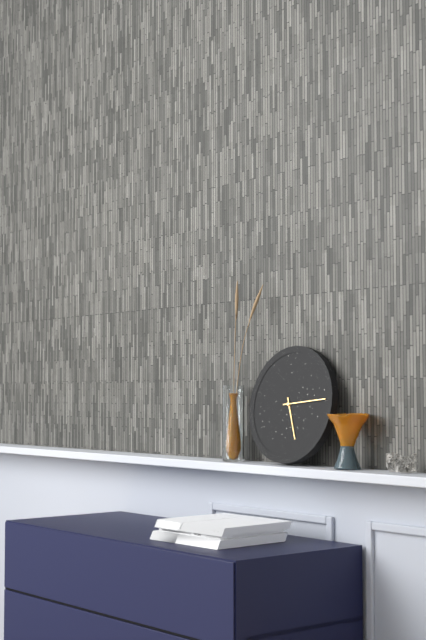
5:14
